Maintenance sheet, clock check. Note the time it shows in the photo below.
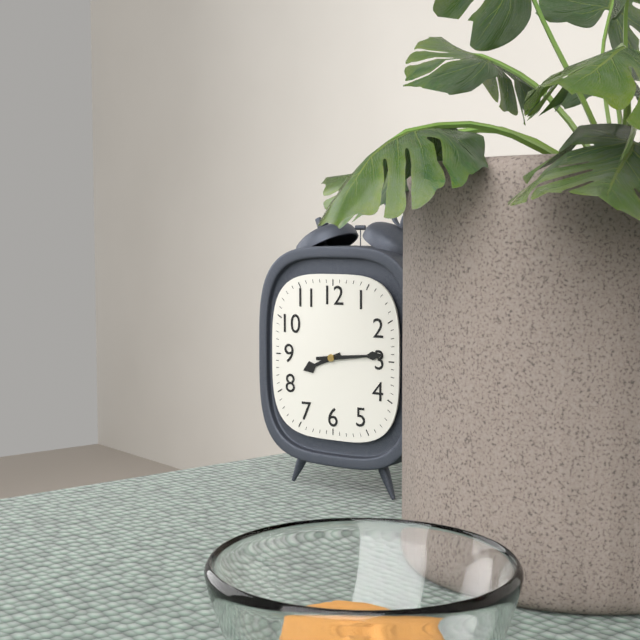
8:14
